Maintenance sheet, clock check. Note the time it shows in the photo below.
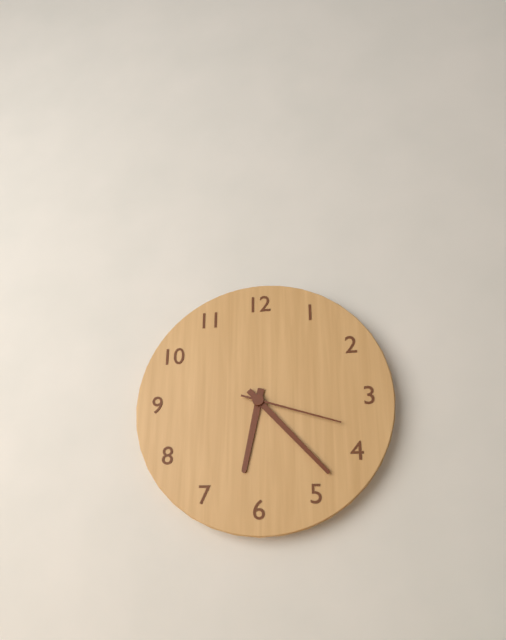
6:23:18
